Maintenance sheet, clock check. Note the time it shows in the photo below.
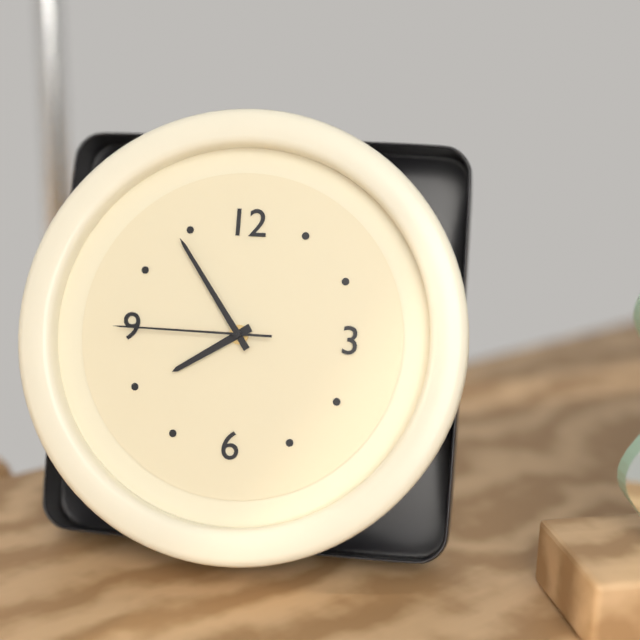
7:54:45
